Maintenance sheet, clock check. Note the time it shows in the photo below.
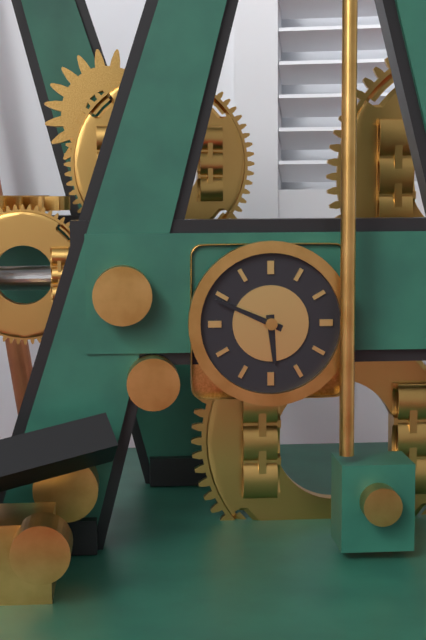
5:49
